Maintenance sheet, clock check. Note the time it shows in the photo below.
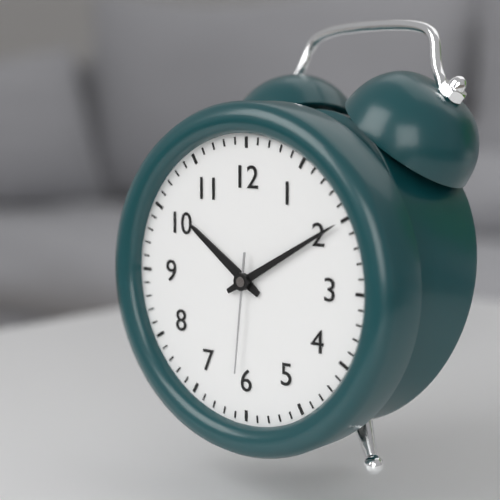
10:10:31
